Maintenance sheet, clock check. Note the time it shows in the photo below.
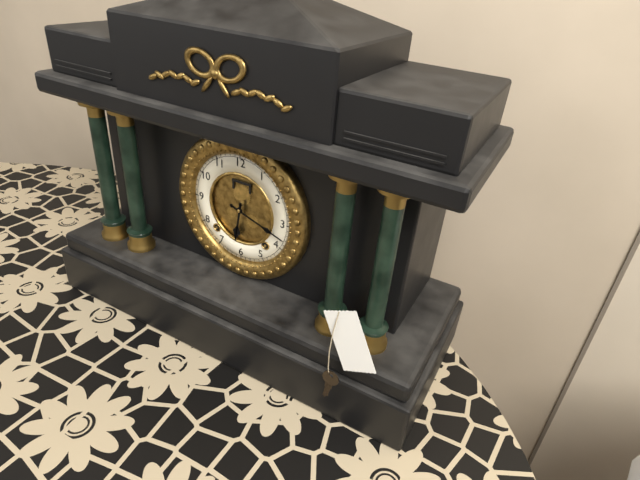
6:18
